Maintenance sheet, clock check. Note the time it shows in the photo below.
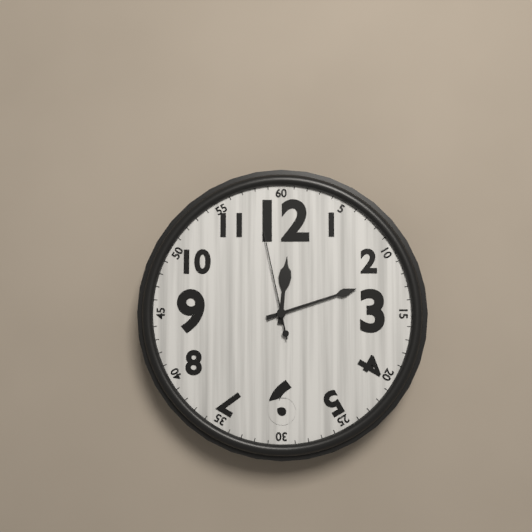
12:12:58
